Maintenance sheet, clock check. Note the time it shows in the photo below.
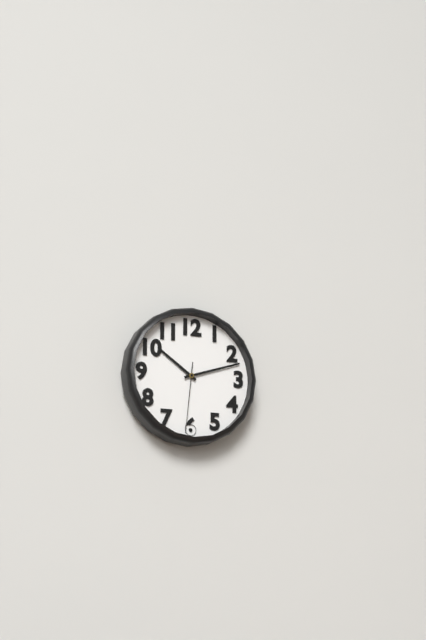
10:12:31
